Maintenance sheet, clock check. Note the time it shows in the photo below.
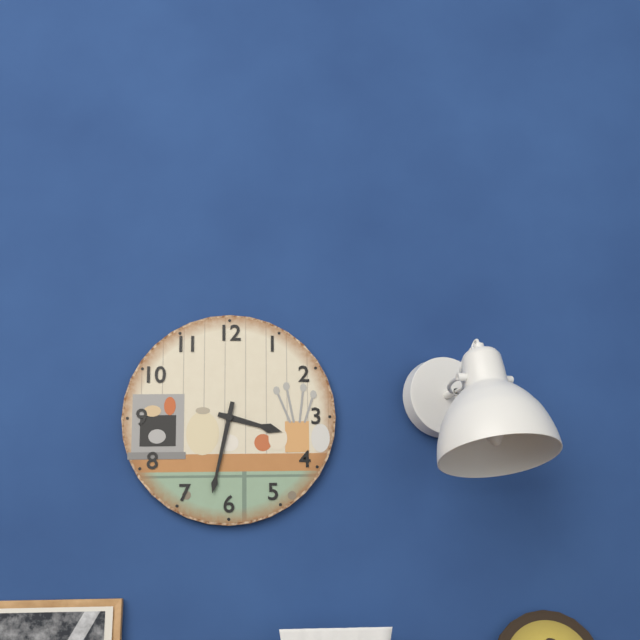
3:32
